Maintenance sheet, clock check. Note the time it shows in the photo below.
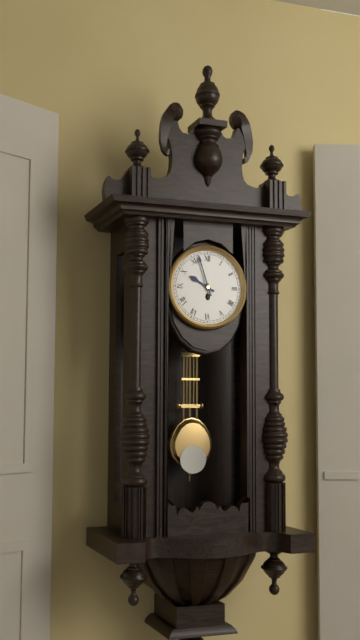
9:57
